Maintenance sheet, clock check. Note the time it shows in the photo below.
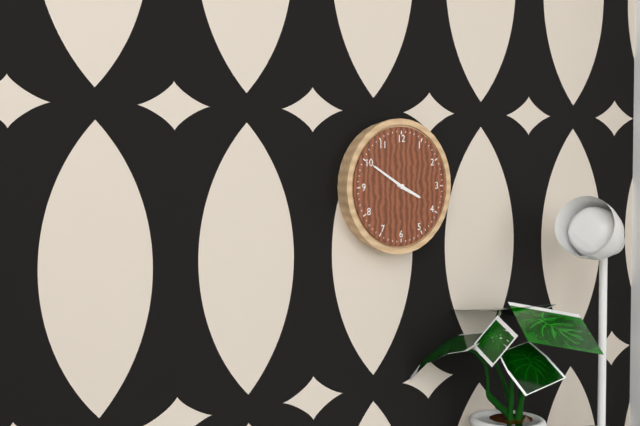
3:50
